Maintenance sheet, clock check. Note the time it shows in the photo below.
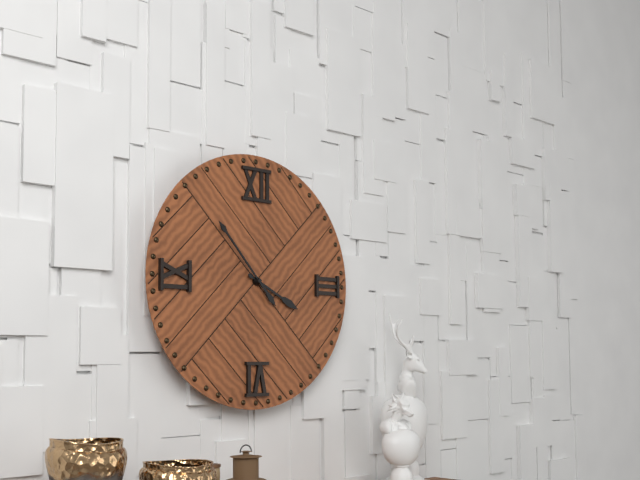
3:53
